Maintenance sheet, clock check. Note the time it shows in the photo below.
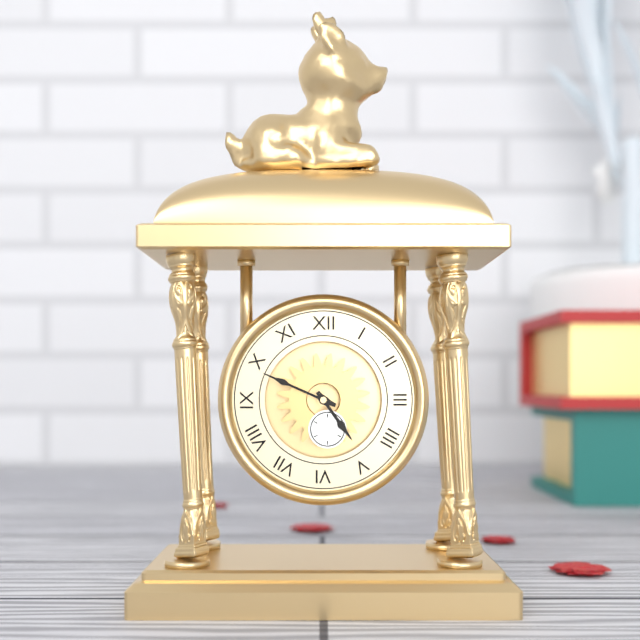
4:49
